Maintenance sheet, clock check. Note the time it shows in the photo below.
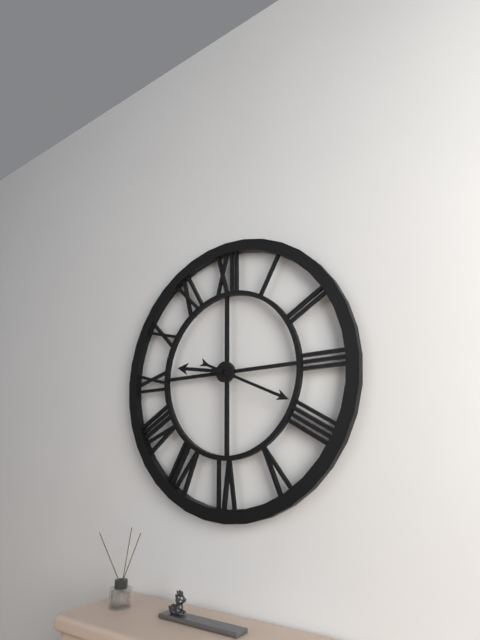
9:19
